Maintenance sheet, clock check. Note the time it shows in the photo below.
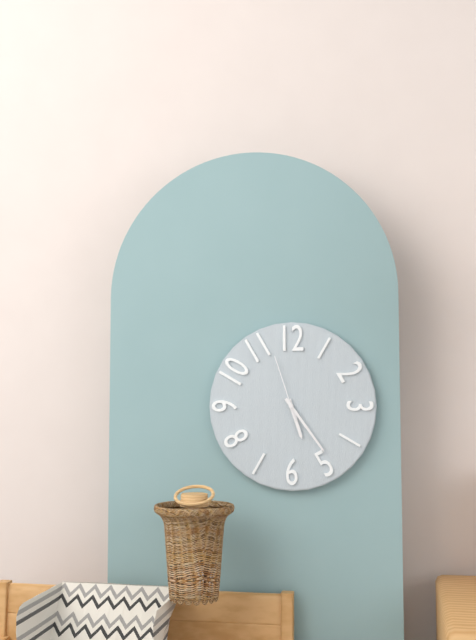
5:24:57
